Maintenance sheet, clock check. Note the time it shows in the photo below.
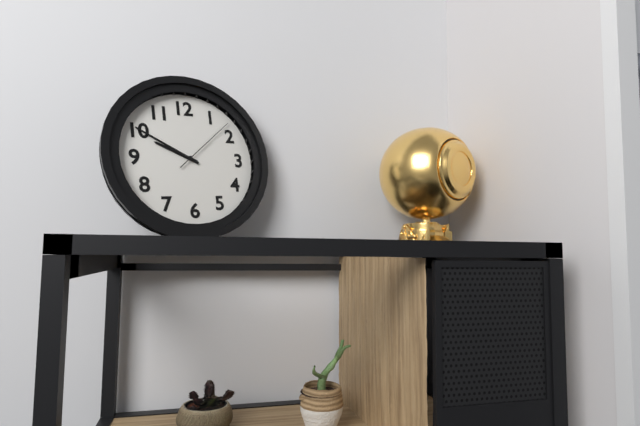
9:50:08
